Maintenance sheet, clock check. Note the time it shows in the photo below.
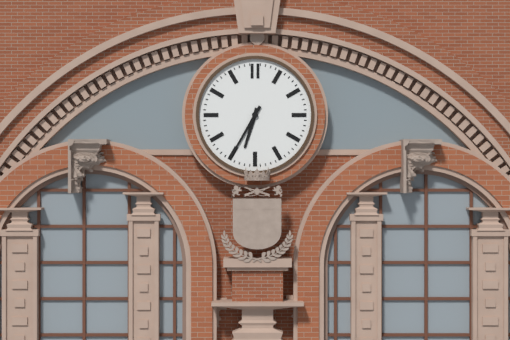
6:35
